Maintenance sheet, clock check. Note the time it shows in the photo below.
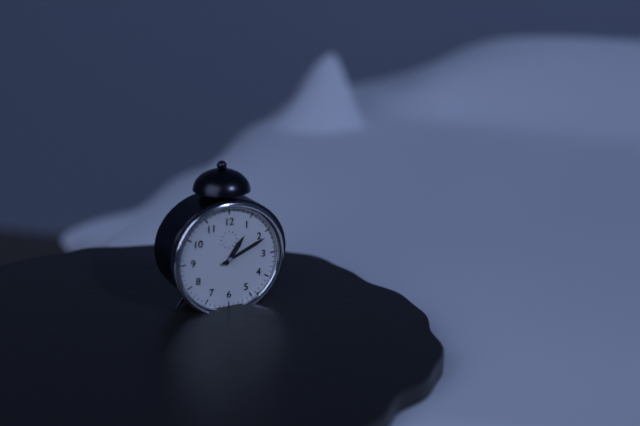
1:11
